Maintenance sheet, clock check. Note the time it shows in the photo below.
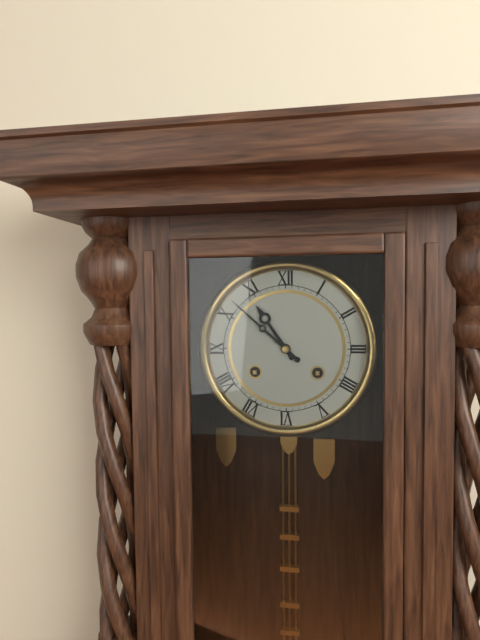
10:52
